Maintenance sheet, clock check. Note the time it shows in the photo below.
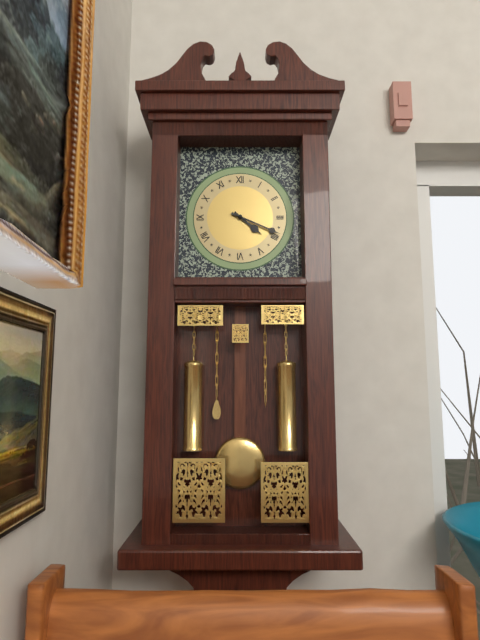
4:19
